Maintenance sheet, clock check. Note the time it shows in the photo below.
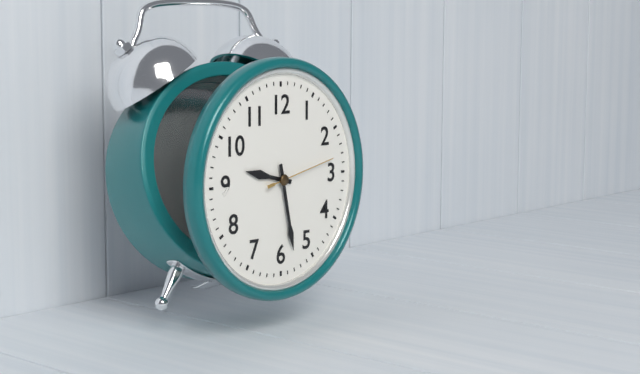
9:28:13
